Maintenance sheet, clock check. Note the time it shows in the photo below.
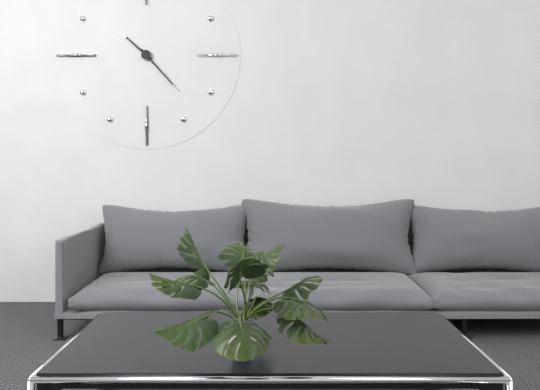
10:23
